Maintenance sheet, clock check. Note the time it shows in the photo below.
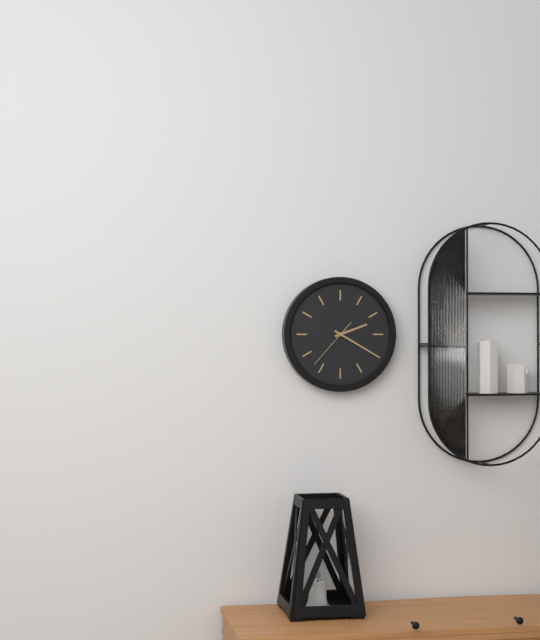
2:20
